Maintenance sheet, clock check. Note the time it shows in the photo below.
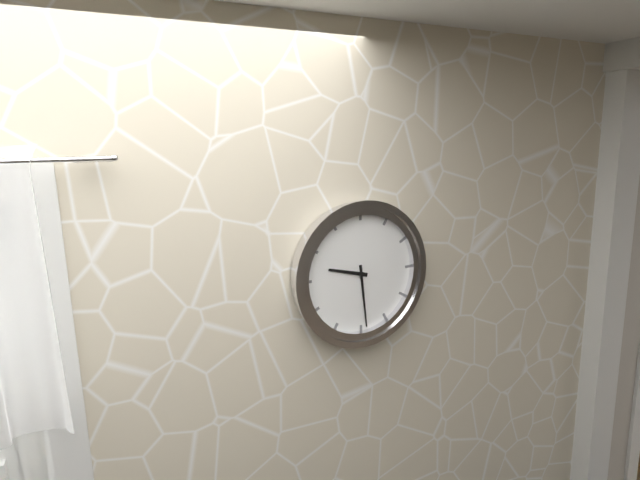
9:29
